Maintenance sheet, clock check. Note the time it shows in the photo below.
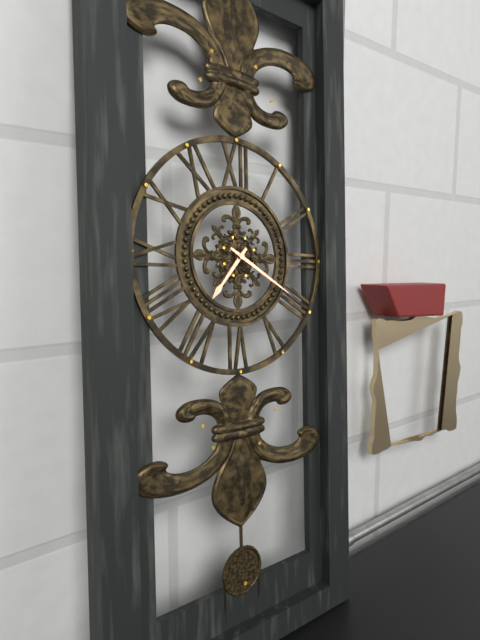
7:20
